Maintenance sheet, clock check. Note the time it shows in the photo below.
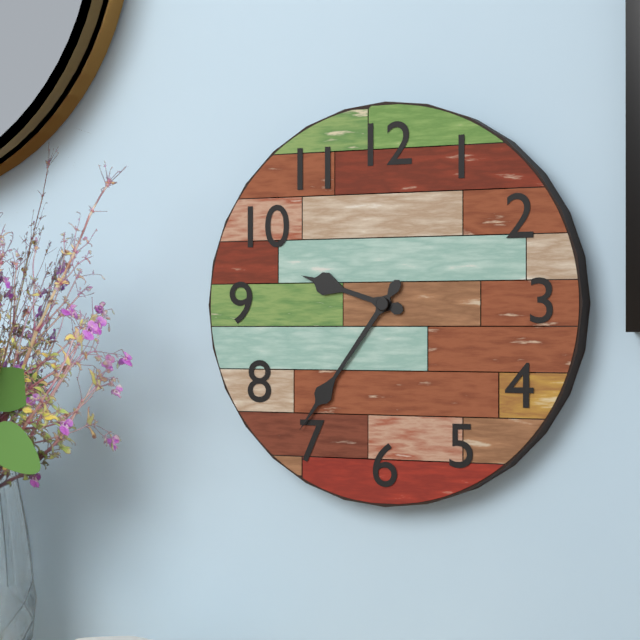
9:36
